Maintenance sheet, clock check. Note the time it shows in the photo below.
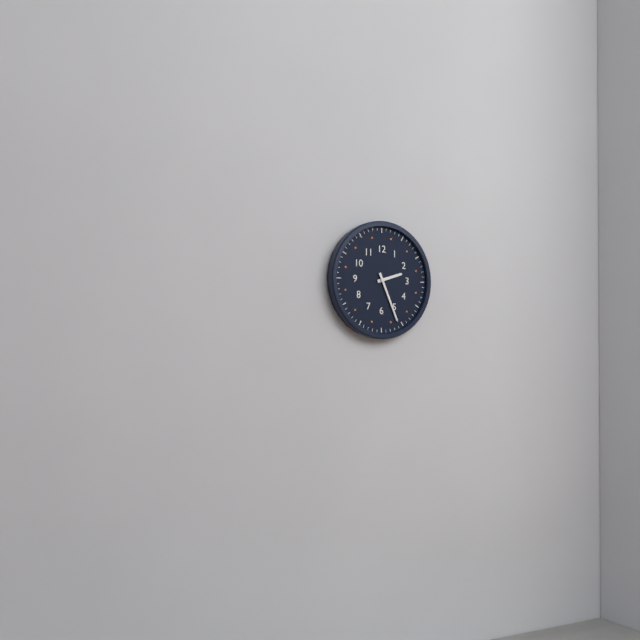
2:26
